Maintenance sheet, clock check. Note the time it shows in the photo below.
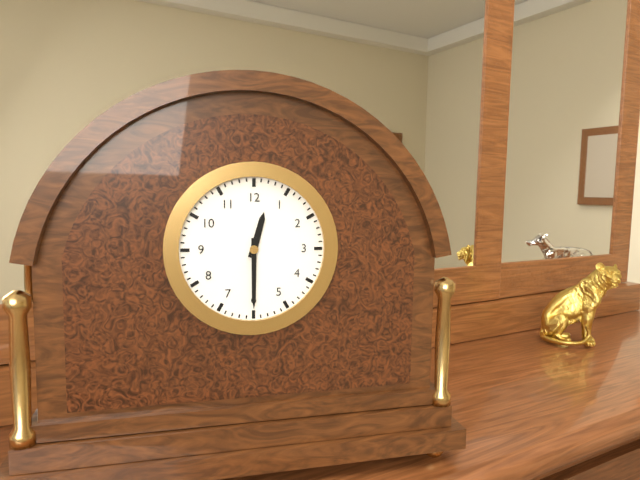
12:30
